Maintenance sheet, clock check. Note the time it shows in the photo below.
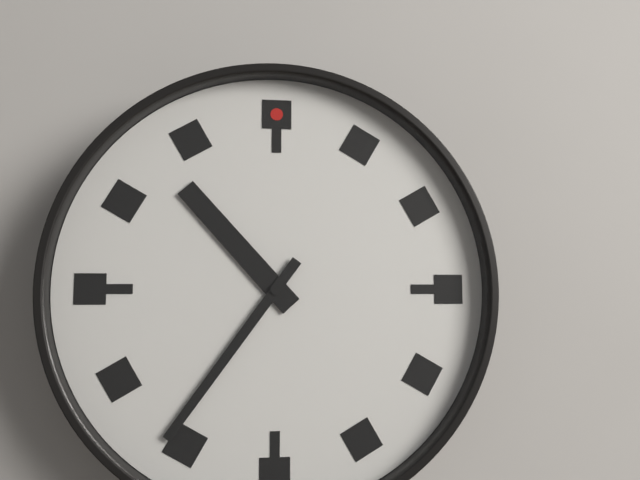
10:36
